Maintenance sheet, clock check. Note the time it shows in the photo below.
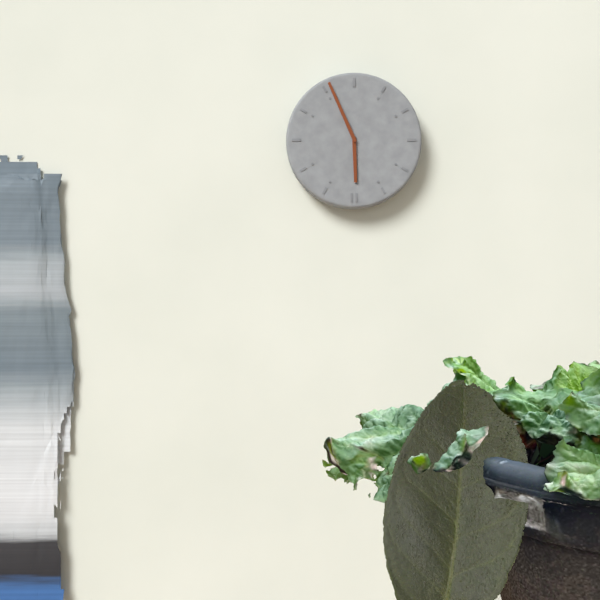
5:56
